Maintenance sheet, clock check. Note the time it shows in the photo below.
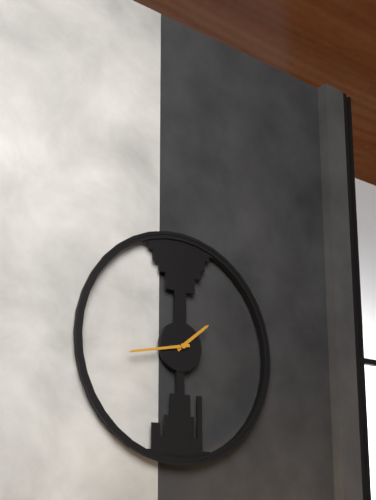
1:43
